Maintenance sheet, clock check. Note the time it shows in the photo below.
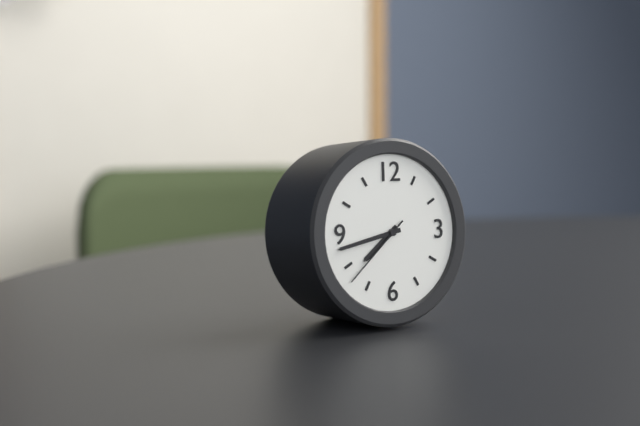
7:43:38
